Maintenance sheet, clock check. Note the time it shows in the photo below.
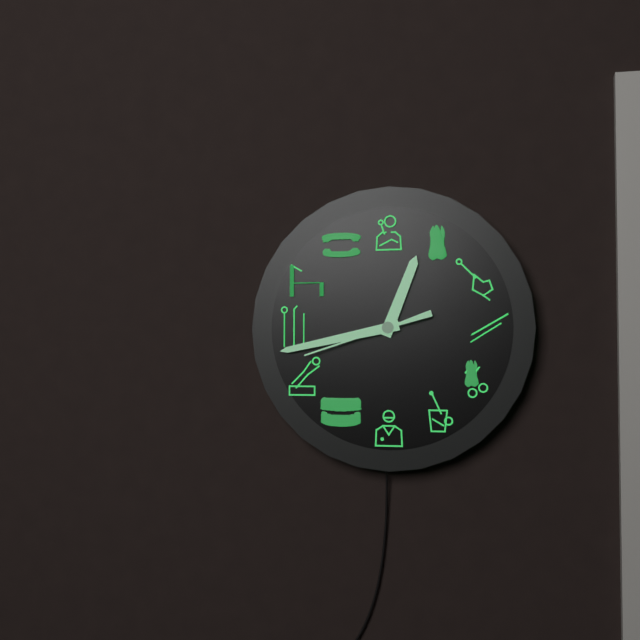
12:43:42
